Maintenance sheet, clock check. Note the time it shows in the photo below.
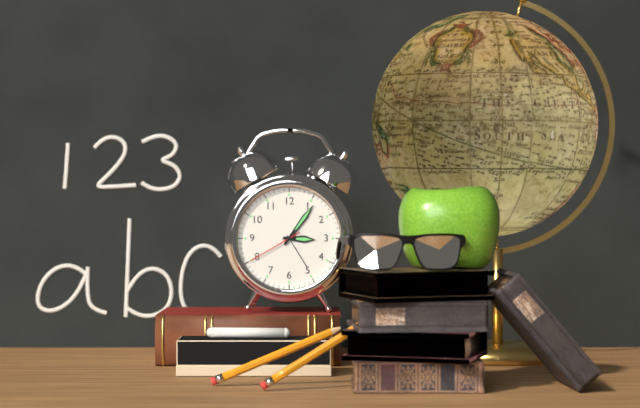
3:06:40
